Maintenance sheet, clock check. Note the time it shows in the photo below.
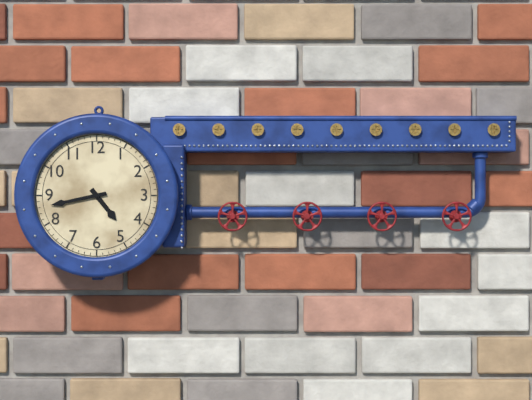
4:43
